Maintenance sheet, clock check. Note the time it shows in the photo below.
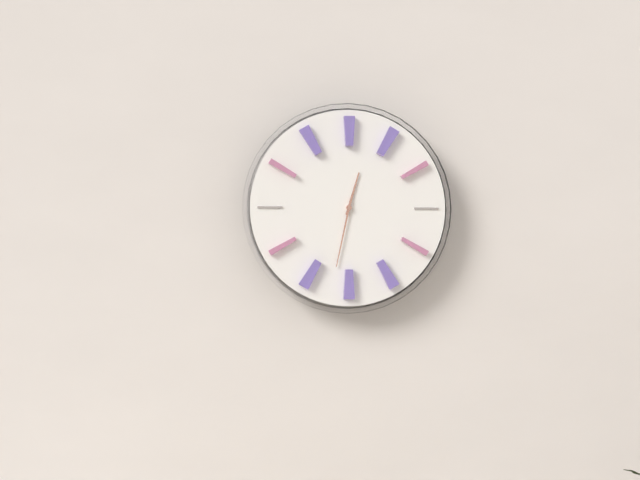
12:32
